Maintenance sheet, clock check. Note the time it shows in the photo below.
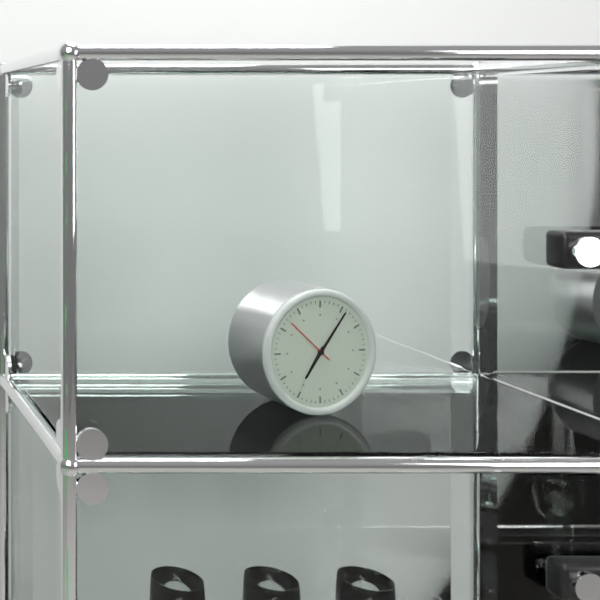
7:06:52
